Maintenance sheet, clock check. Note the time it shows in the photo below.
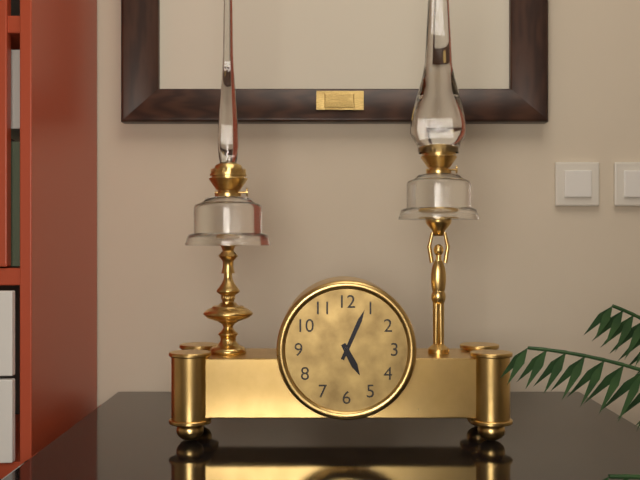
5:04
